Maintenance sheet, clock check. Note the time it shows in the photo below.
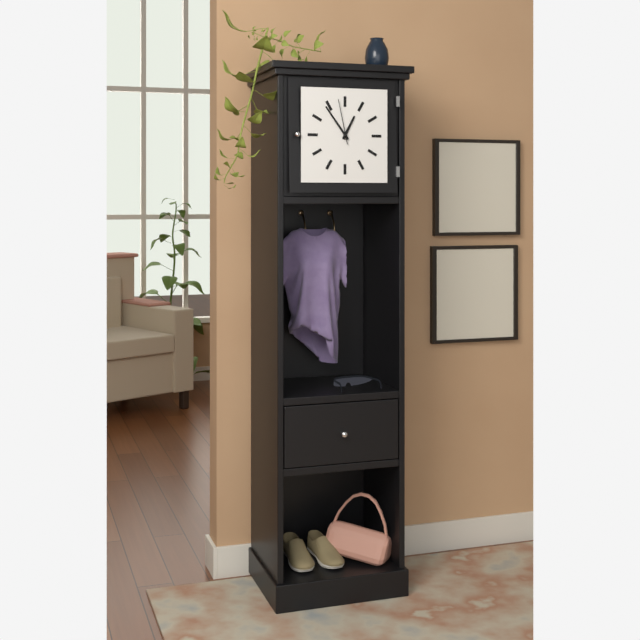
12:54
